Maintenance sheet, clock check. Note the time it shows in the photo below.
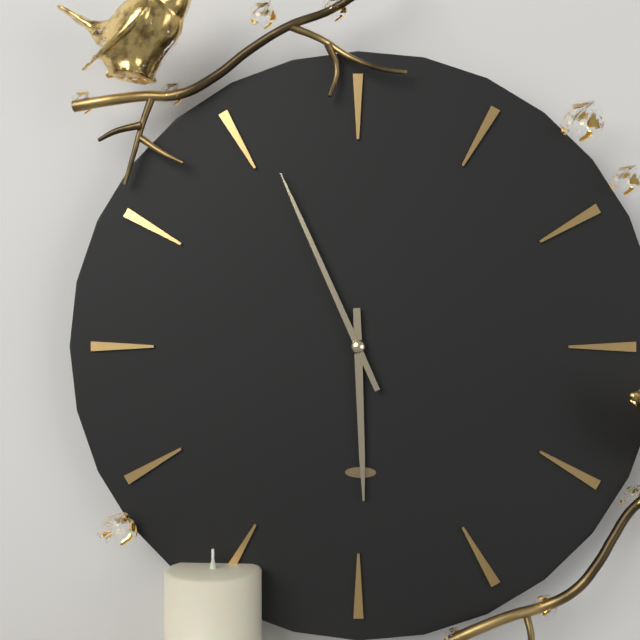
5:56
